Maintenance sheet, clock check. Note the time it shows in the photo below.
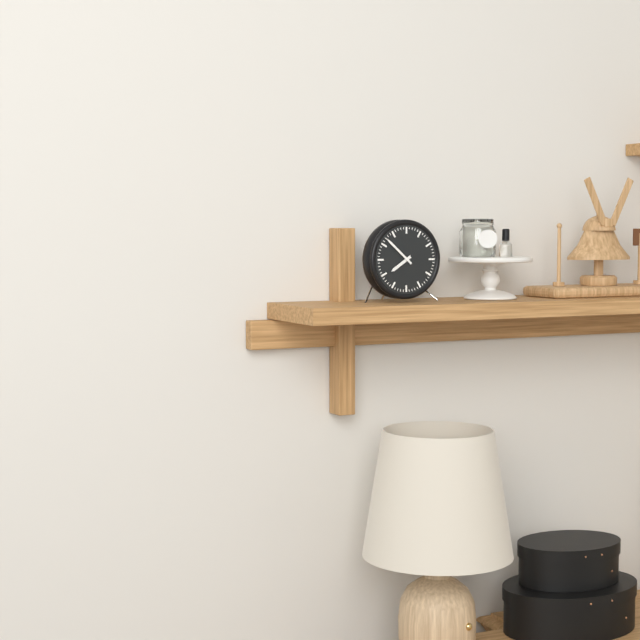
7:52
